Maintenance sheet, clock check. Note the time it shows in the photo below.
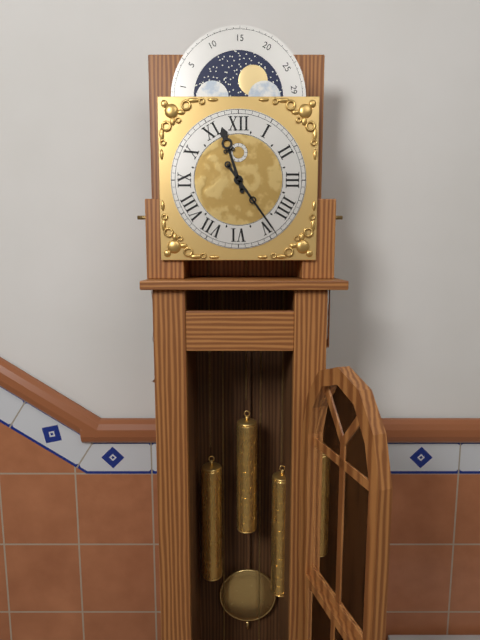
11:24
